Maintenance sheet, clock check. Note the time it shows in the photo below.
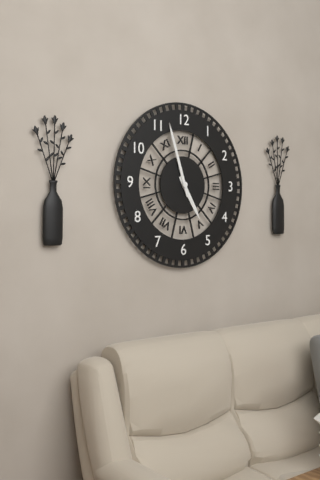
4:57
